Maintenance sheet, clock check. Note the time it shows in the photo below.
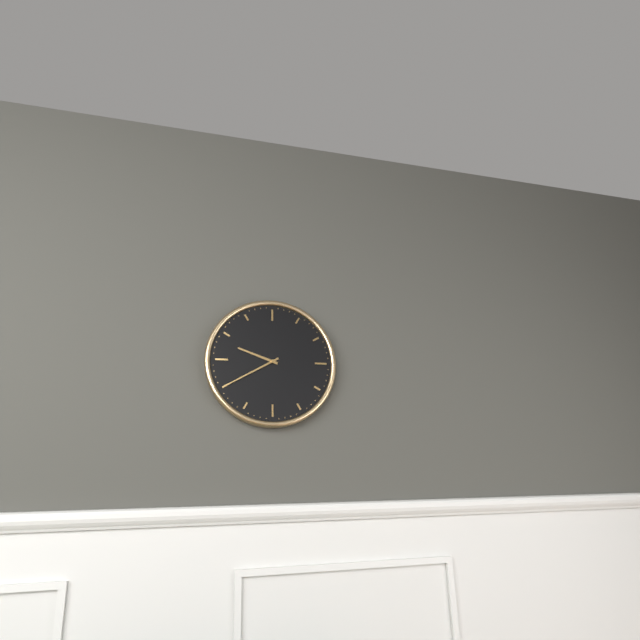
9:40
